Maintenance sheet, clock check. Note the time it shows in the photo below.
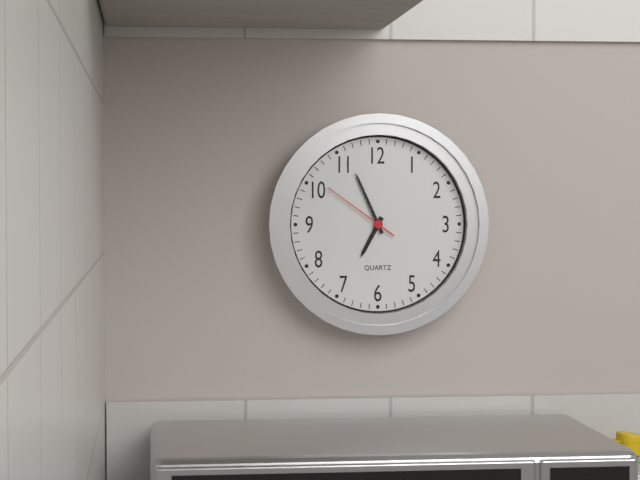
6:56:51
